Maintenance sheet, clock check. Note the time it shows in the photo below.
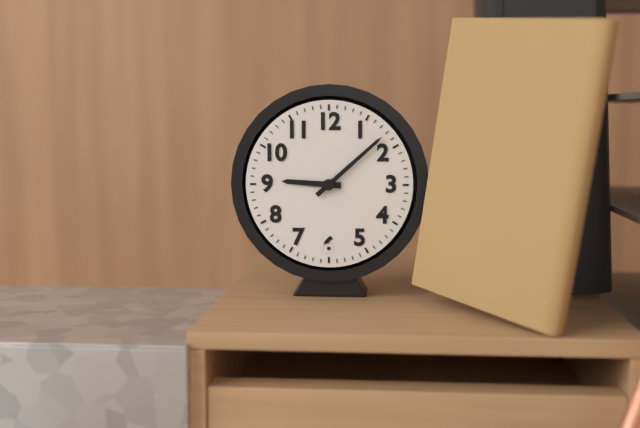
9:08
